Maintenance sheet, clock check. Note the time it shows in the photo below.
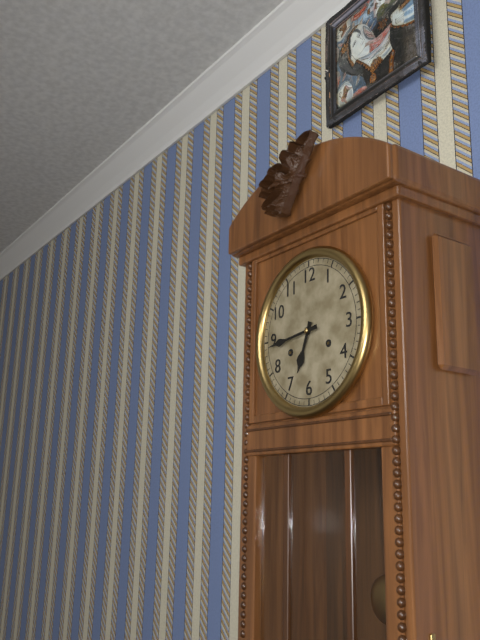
6:44
